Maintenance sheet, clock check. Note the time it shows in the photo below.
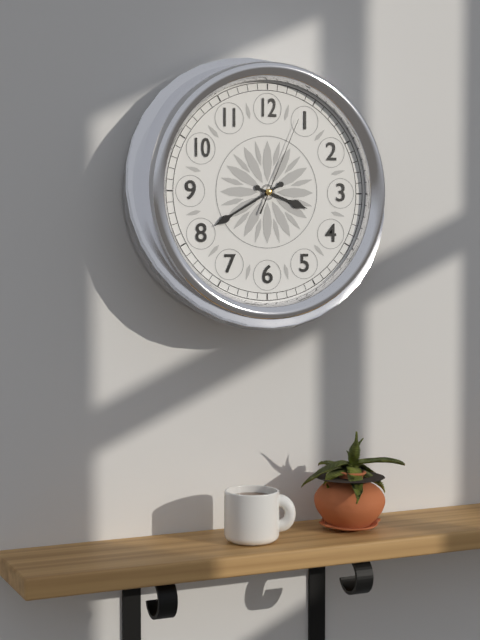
3:40:04
